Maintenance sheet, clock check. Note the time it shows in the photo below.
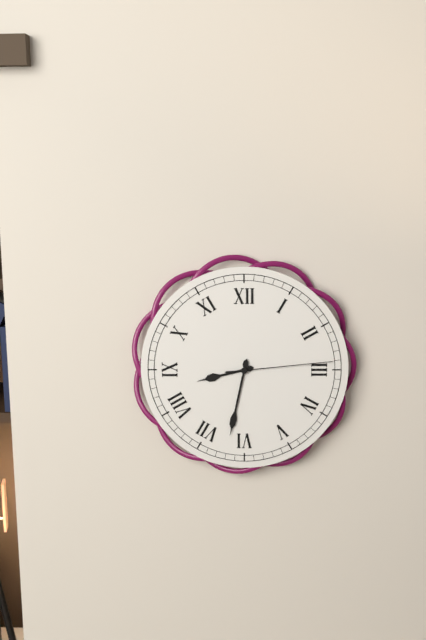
8:32:14
